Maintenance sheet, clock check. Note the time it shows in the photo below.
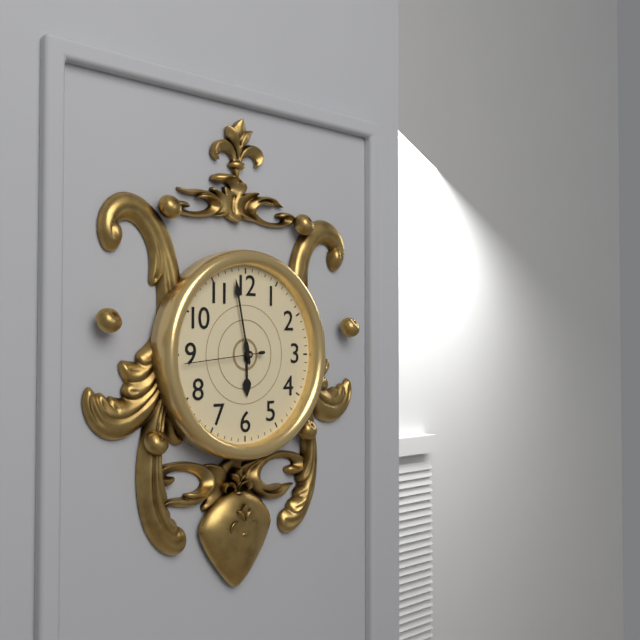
5:58:44
